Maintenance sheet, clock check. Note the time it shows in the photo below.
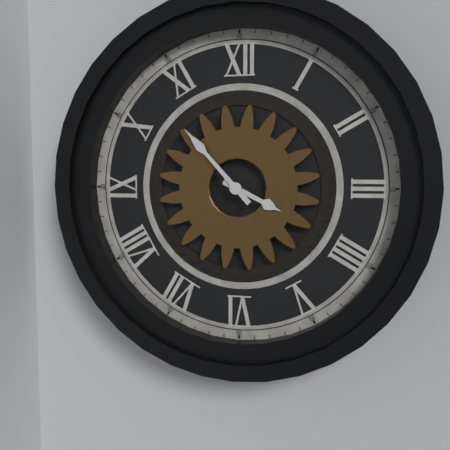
3:53
